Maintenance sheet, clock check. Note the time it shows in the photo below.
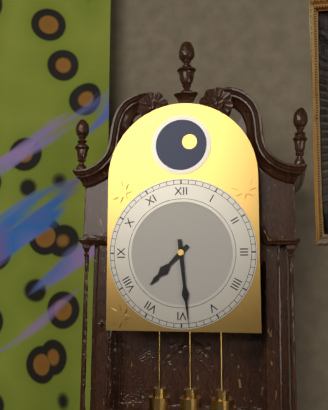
7:29
